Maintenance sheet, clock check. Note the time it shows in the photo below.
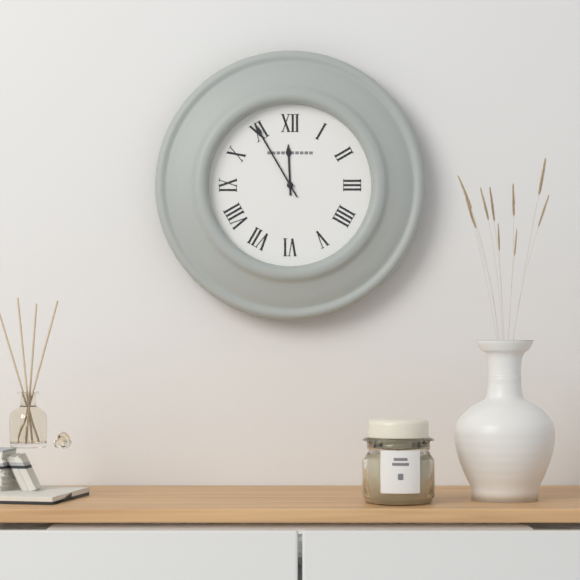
11:55
